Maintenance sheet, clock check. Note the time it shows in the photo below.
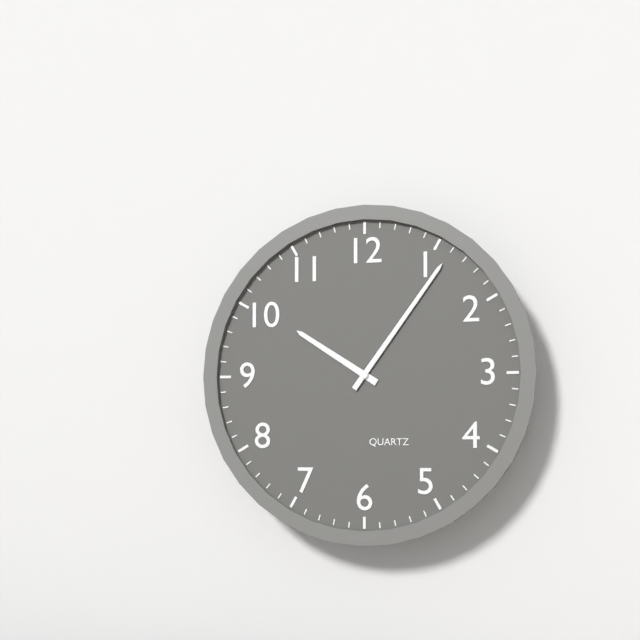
10:06
